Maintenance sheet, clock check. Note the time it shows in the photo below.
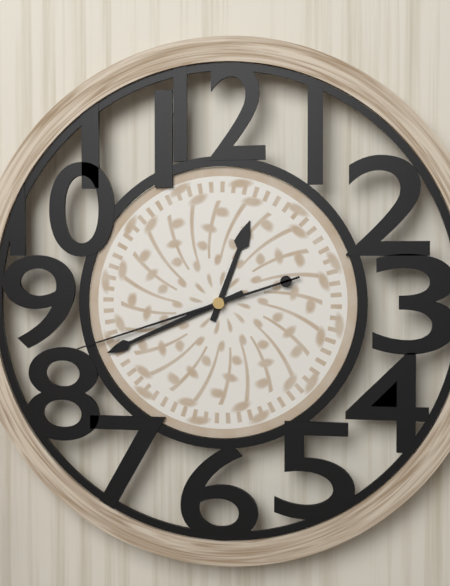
12:41:42
